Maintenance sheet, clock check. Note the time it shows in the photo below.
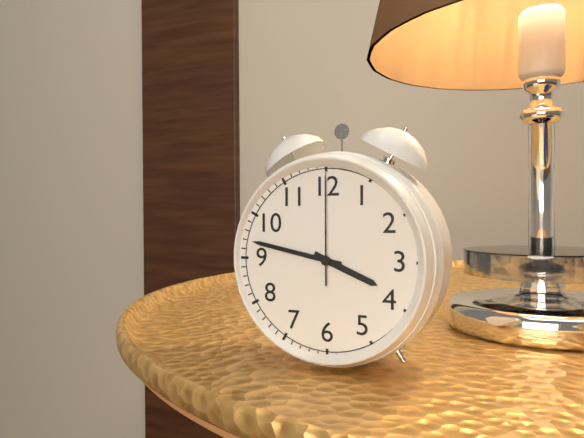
3:47:00
